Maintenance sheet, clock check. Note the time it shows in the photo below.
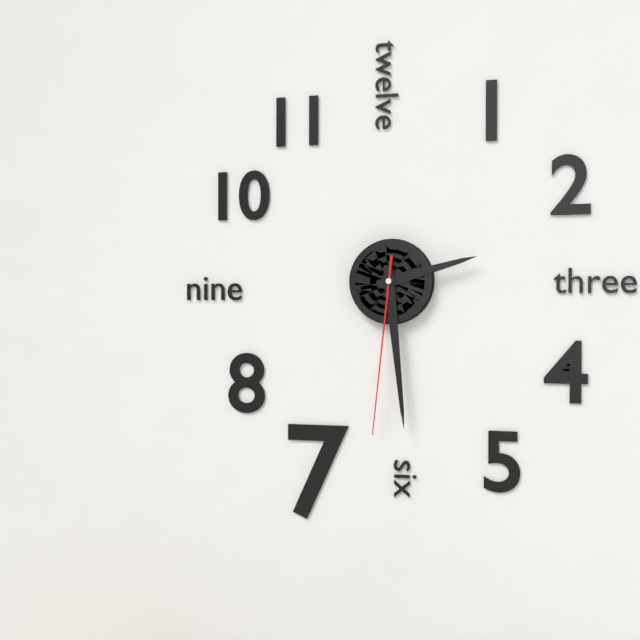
2:29:31
